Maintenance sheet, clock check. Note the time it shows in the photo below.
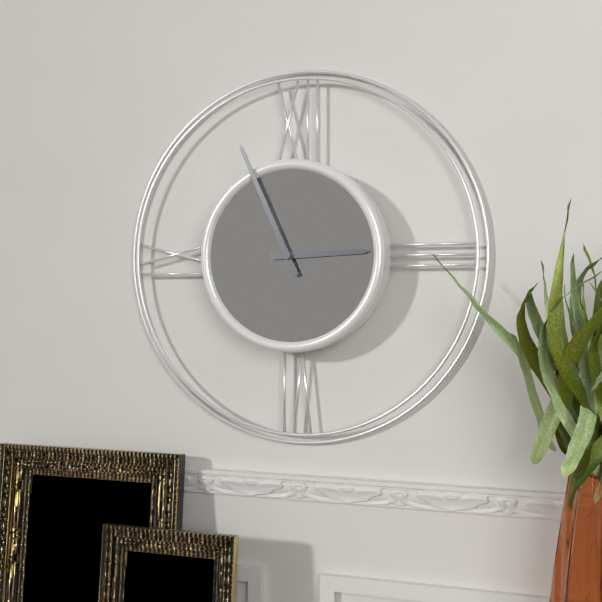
2:56
